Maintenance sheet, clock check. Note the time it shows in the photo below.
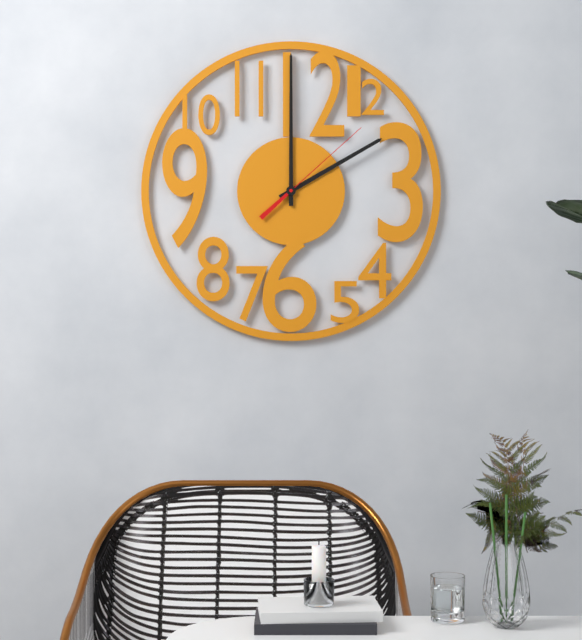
2:00:08
